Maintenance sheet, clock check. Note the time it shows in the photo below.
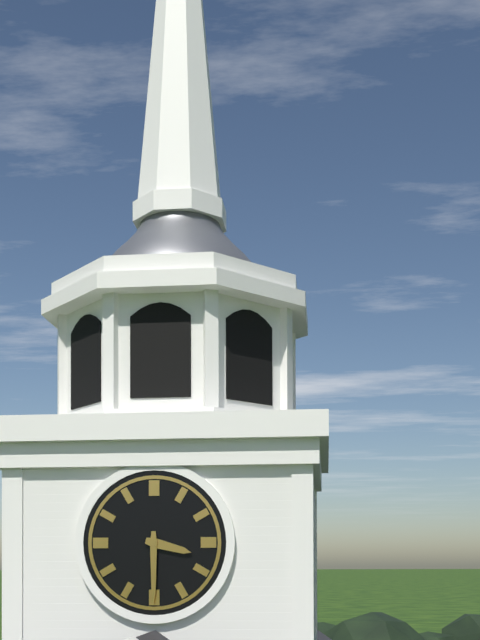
3:30
